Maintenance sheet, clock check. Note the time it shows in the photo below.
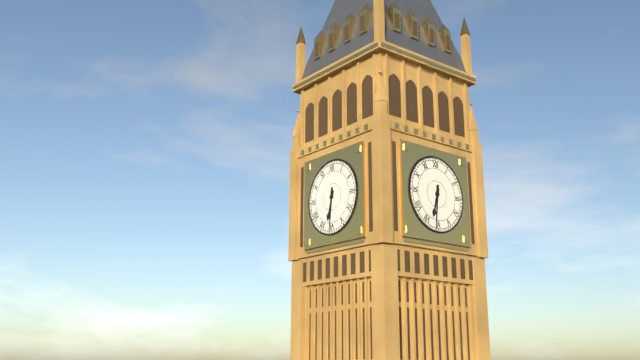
6:31
